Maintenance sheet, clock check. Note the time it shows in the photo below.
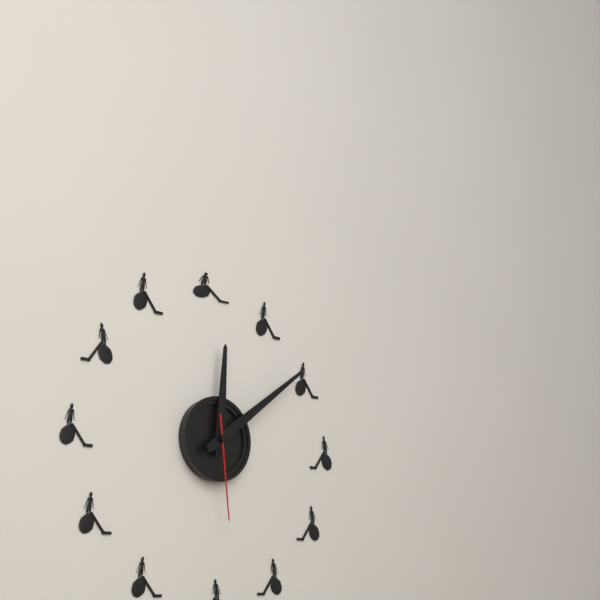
12:09:29
